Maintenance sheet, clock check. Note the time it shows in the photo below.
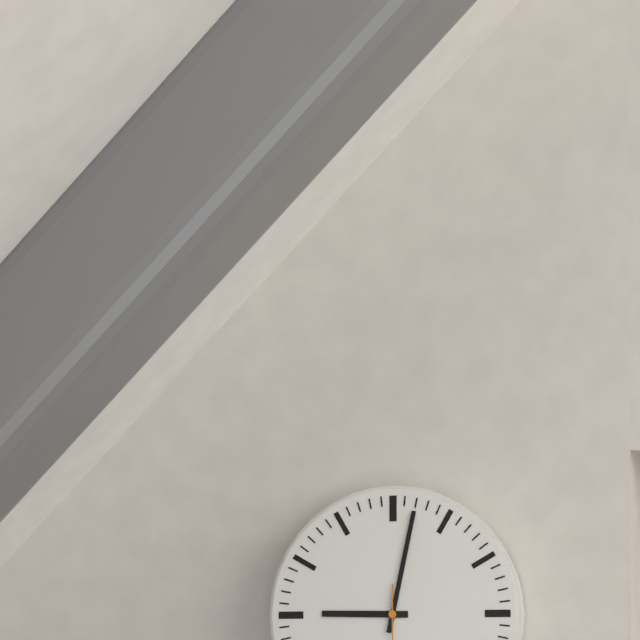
9:02
